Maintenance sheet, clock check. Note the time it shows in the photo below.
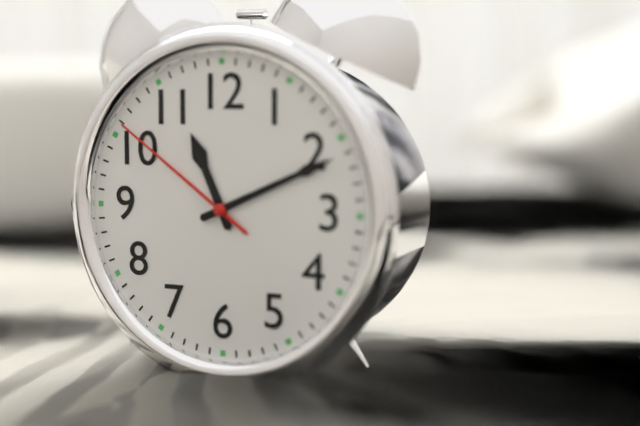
11:11:51
